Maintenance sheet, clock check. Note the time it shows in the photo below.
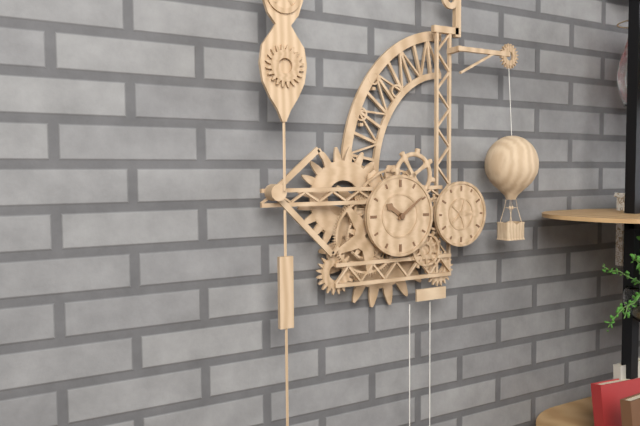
10:09
